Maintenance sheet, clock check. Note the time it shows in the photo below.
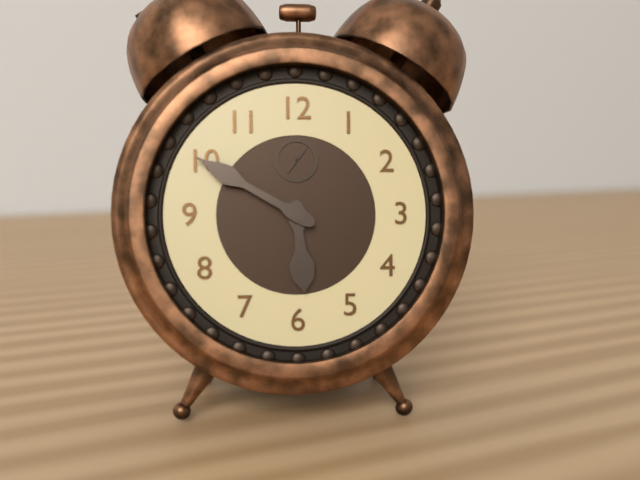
5:50
